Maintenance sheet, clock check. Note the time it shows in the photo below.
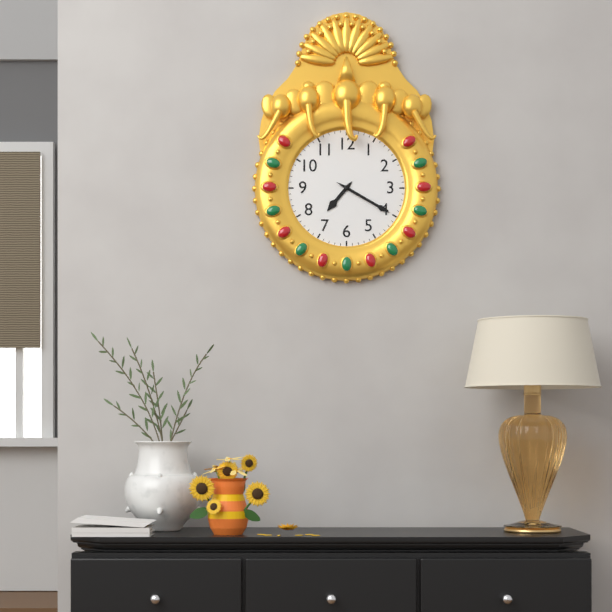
7:20
